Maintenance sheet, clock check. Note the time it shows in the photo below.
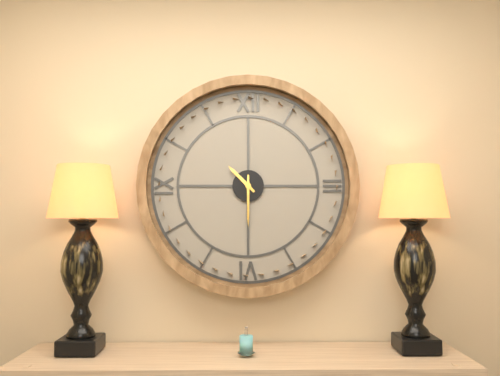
10:30
